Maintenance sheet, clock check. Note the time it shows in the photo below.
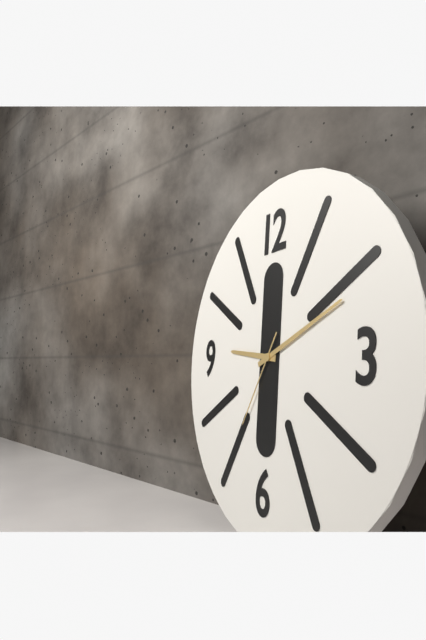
9:11:35
